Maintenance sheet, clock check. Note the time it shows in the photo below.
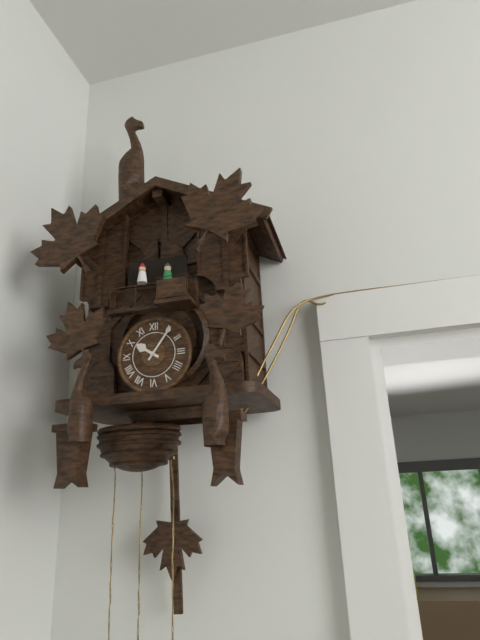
10:06
